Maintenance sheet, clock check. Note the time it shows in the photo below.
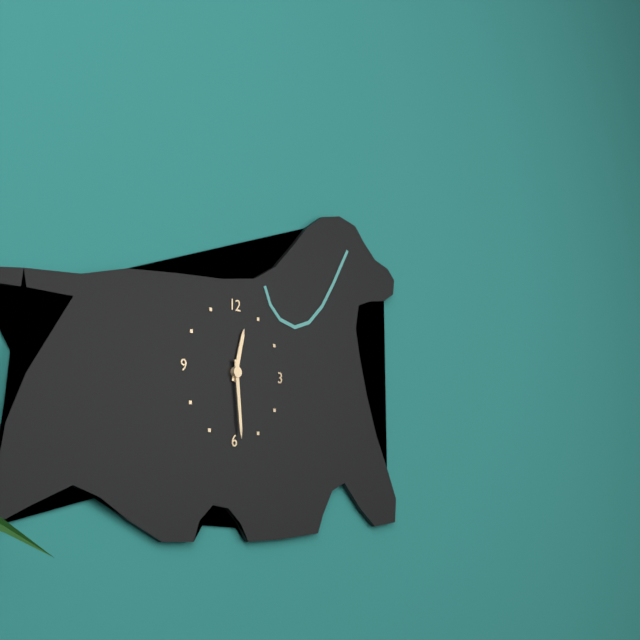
12:29
